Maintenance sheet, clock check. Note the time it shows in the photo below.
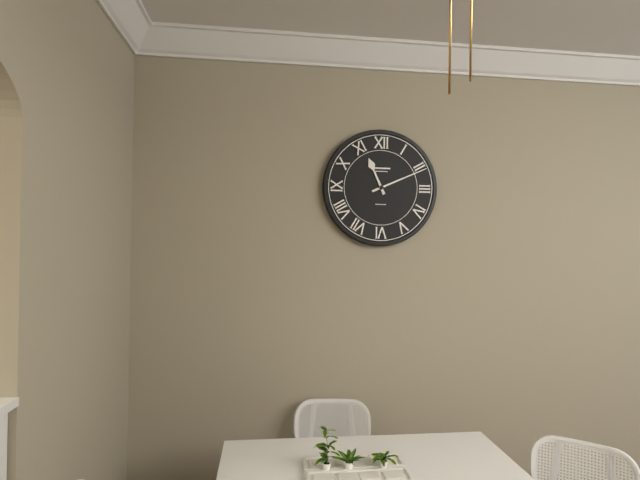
11:11
